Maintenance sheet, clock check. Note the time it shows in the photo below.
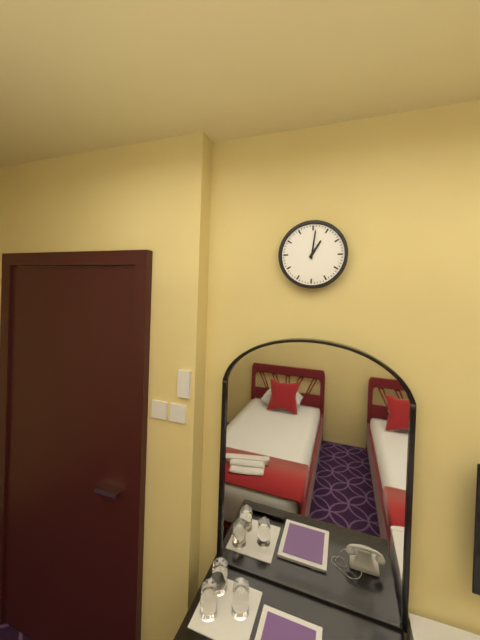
1:01
